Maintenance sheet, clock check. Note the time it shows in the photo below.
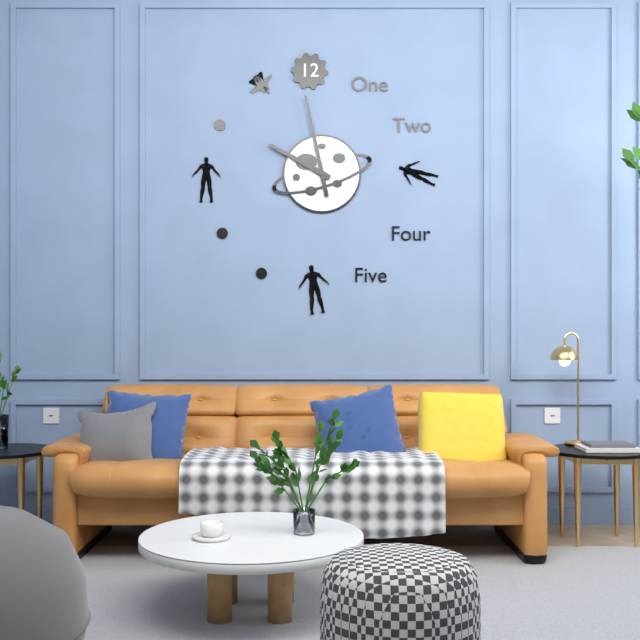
9:58
